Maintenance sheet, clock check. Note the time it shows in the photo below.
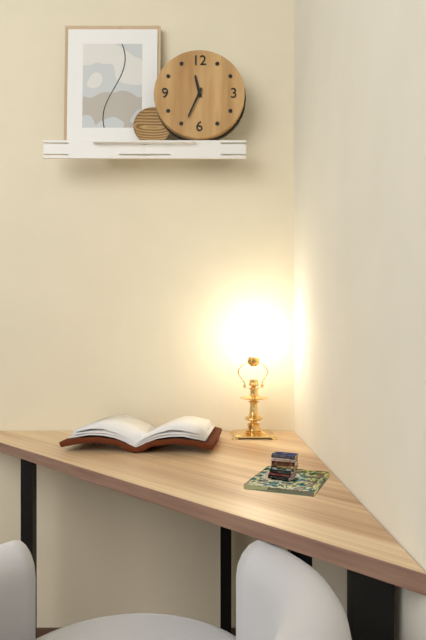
11:34
